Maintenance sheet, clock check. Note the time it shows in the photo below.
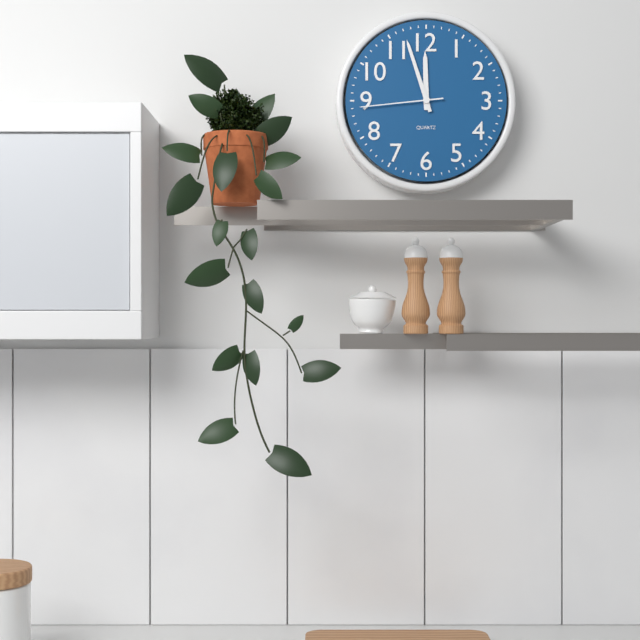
11:57:44
